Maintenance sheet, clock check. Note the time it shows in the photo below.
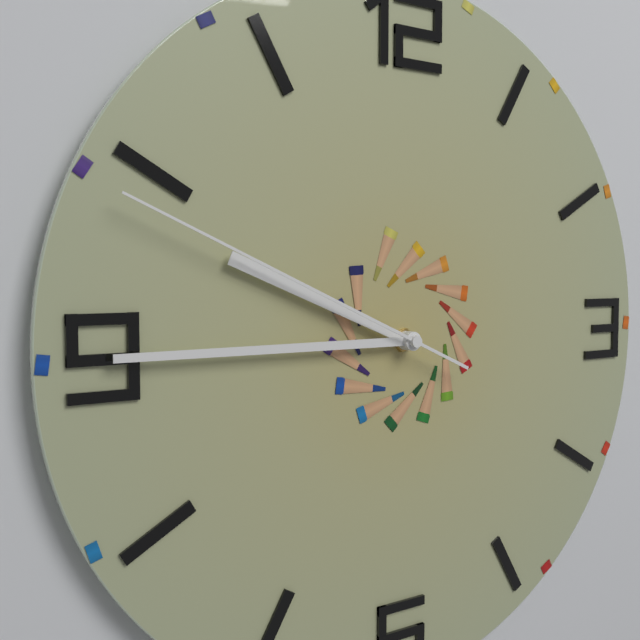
9:45:49
